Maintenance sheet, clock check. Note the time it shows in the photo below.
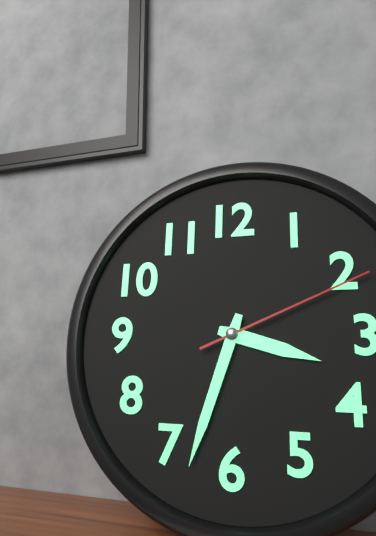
3:33:11
